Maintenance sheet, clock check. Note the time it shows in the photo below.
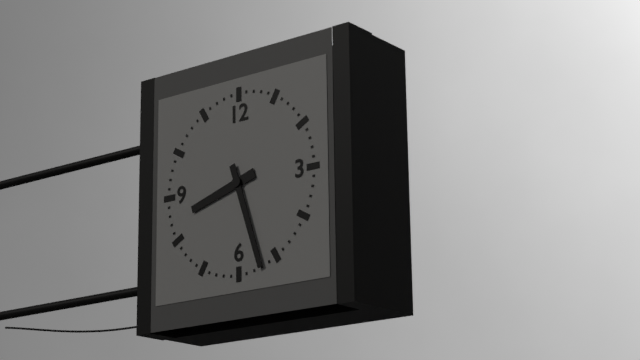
8:27
